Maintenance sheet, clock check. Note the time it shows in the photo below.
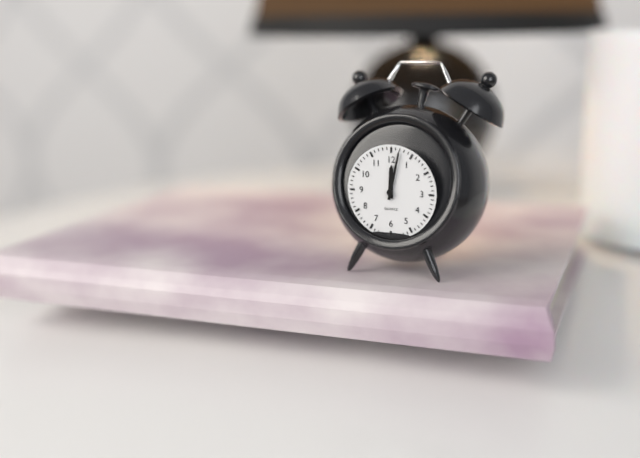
12:02
